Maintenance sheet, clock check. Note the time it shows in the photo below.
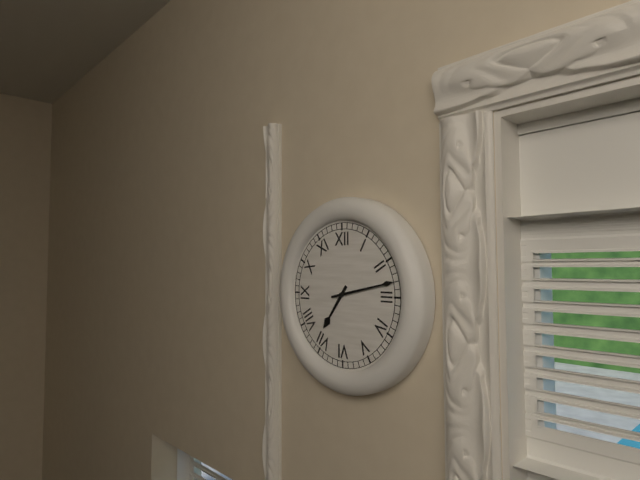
7:13
